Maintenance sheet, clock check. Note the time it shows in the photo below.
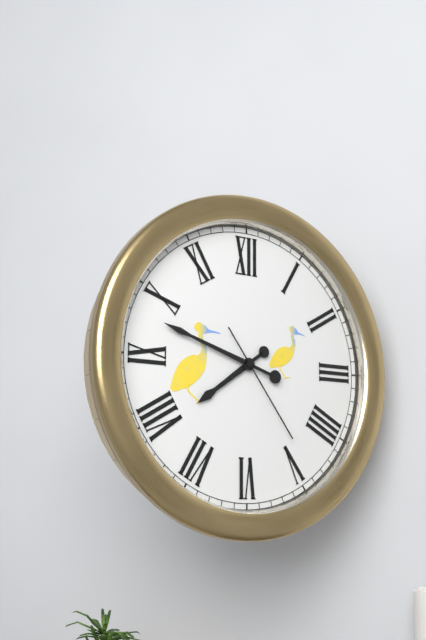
7:48:24
